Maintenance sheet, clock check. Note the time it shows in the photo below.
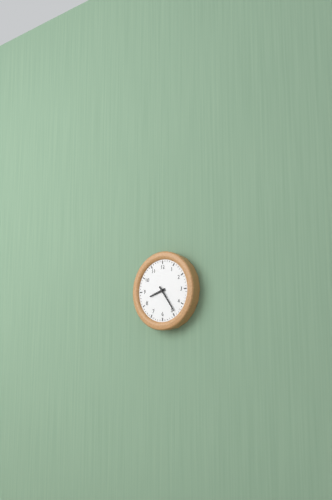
8:24
